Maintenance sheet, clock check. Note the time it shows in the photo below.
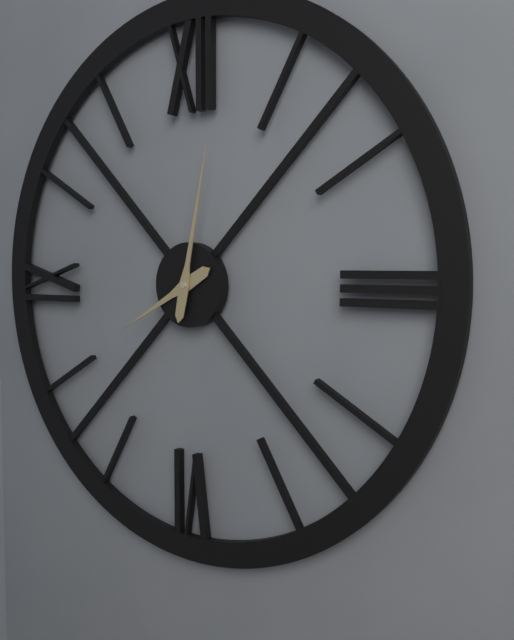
8:02
